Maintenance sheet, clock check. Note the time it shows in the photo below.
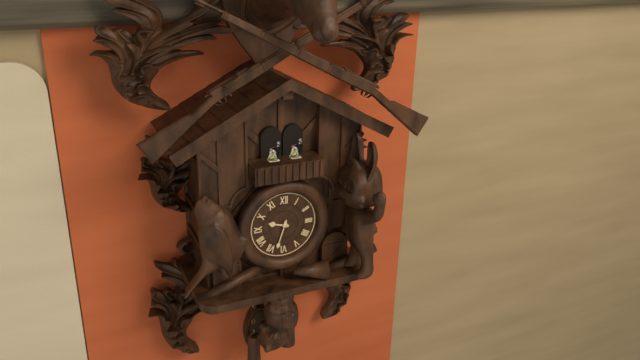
9:33
